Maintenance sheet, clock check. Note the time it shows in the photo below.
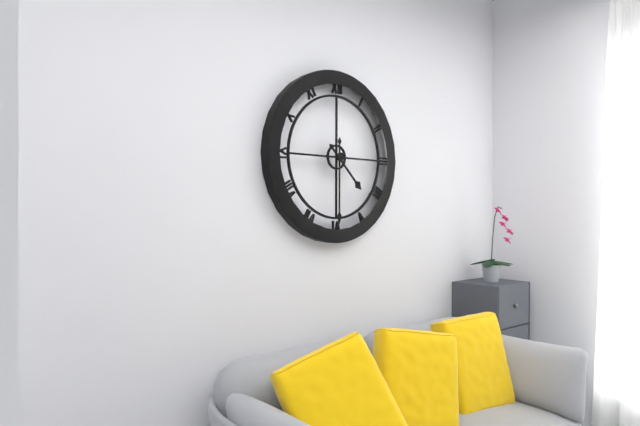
4:30
